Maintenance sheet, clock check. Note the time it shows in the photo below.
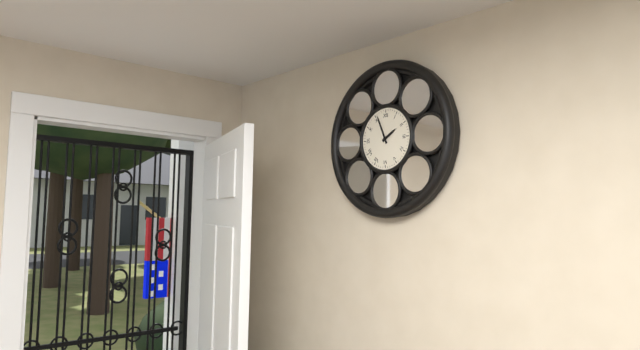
1:56
